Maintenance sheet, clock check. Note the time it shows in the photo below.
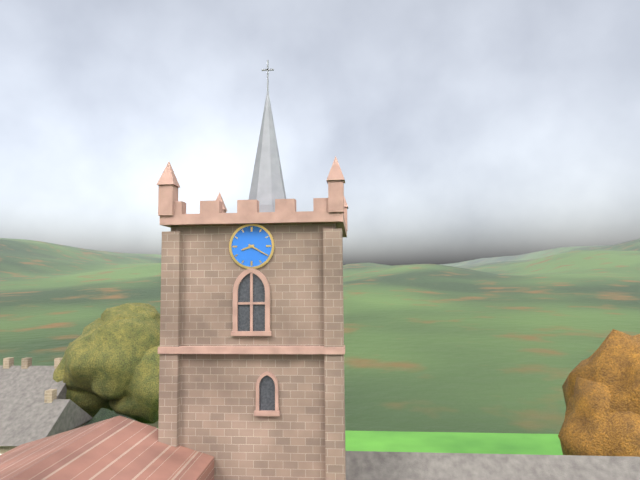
8:20
